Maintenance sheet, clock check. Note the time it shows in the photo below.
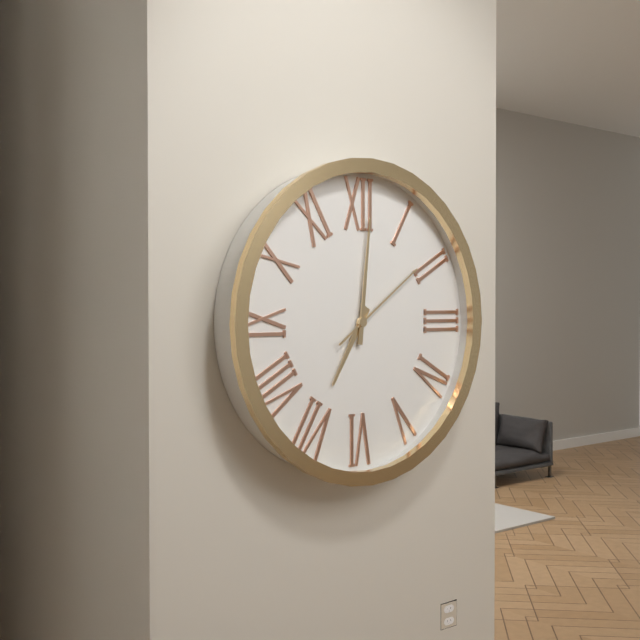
7:01:09
